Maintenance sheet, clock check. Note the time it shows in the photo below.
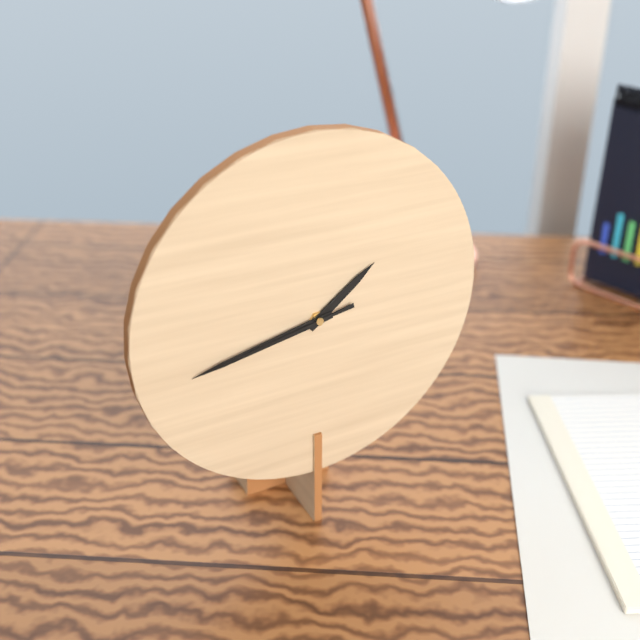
1:43:43
